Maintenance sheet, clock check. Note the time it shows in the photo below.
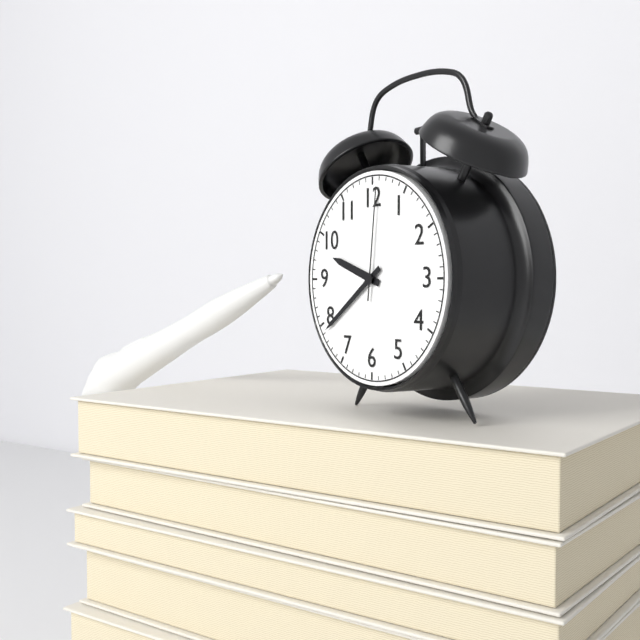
9:39:01
